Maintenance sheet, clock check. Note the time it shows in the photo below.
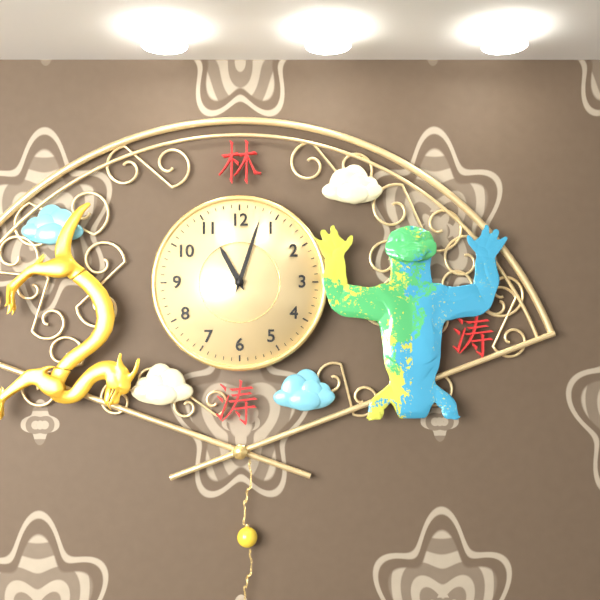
11:03
